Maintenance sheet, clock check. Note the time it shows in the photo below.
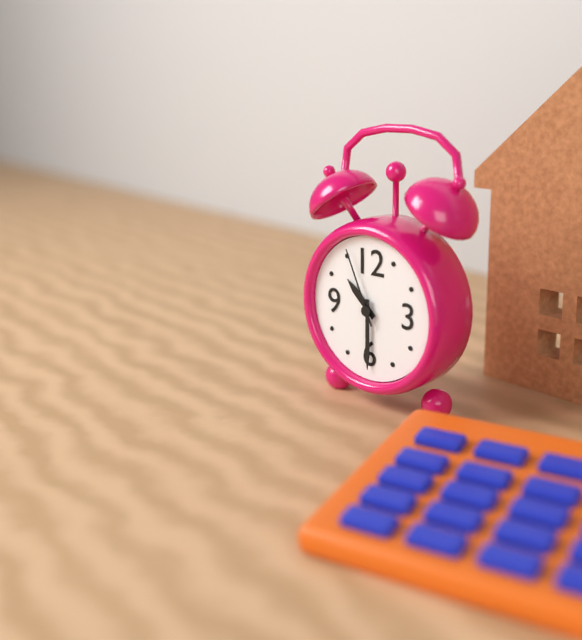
10:30:56
